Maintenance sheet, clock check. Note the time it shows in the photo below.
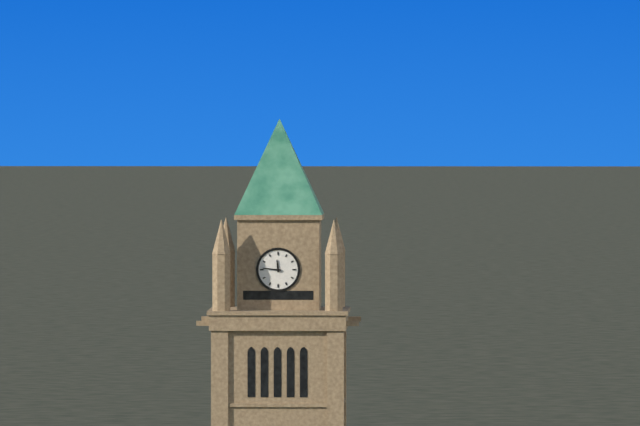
11:46
